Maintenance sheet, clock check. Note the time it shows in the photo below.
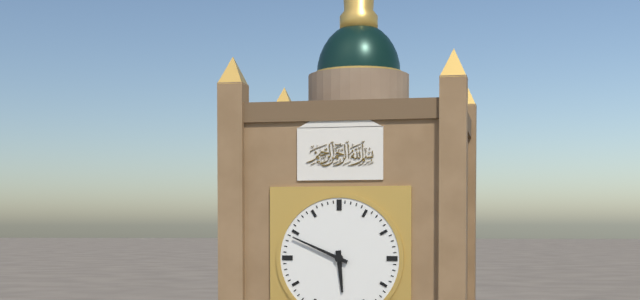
5:49
